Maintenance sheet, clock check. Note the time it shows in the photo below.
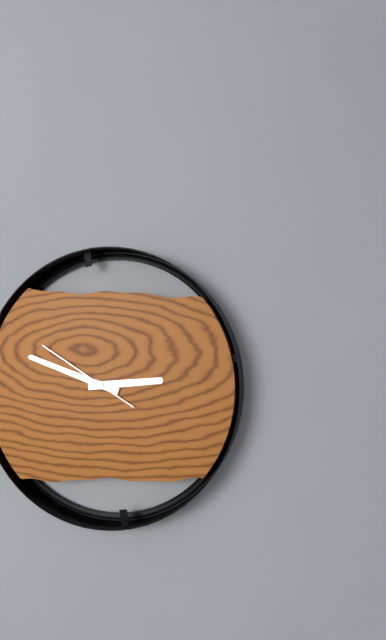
2:48:50
